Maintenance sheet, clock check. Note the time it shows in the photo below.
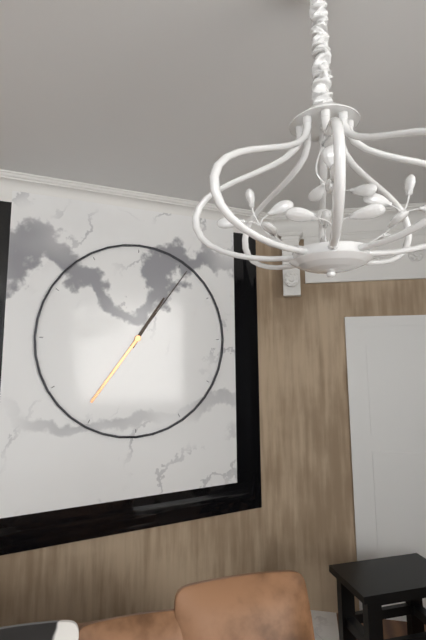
1:06
